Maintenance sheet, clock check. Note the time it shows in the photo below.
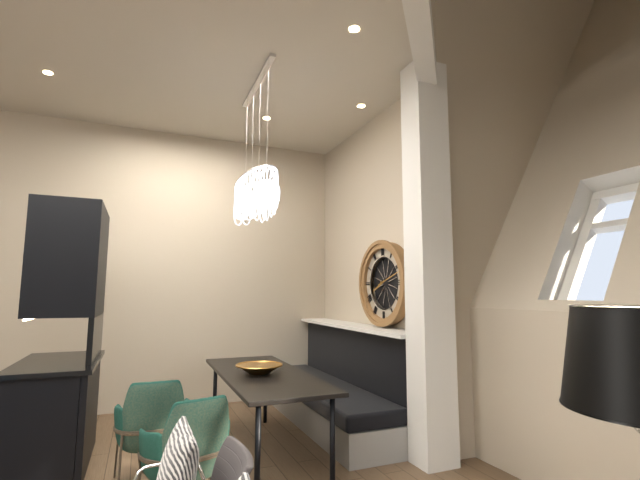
8:12
